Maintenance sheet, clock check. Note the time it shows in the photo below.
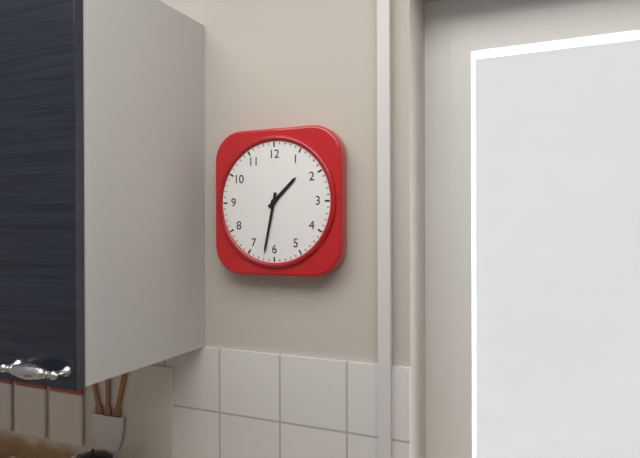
1:32
